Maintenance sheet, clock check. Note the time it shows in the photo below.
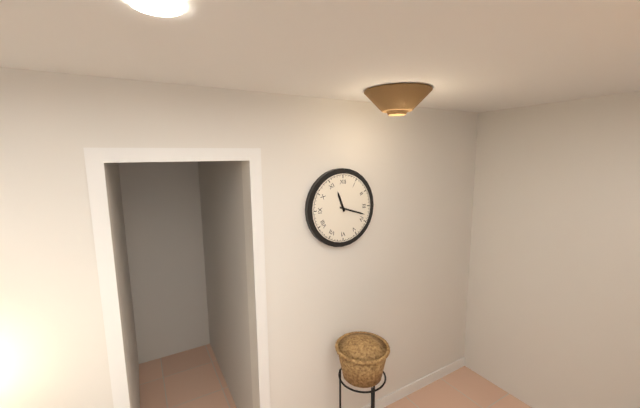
11:18
